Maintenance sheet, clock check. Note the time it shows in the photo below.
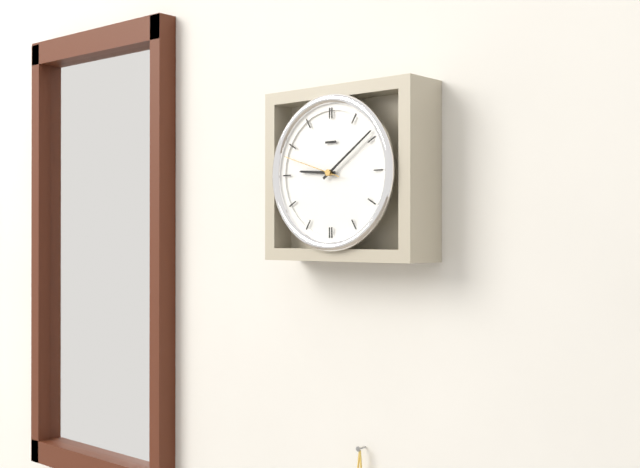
9:09:48
